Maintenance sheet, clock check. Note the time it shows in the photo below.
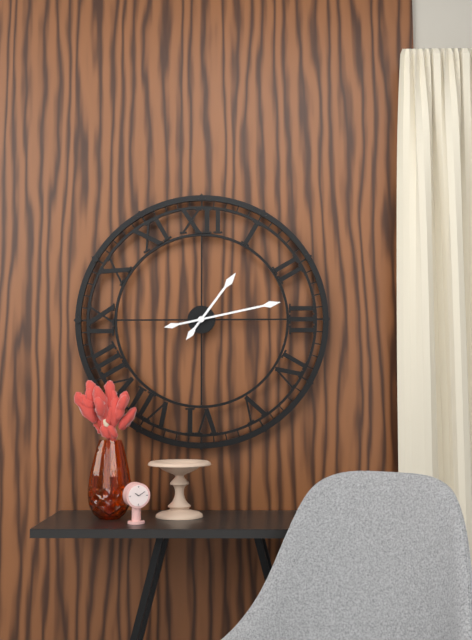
1:13
